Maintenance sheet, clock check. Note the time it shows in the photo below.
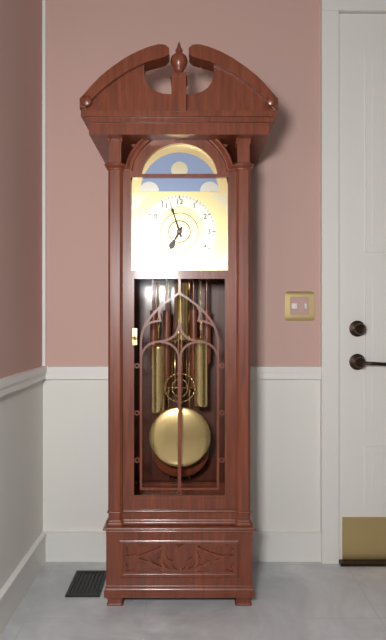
6:57
